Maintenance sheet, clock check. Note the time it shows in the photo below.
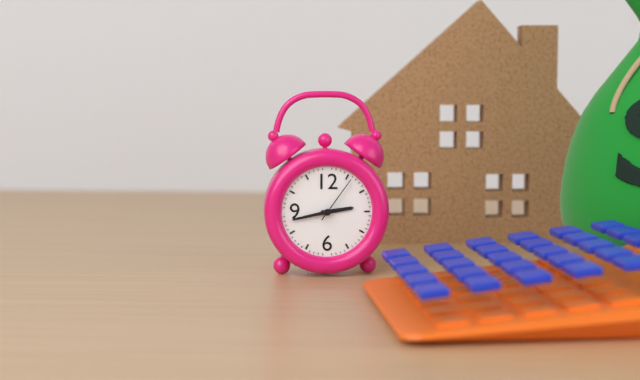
2:43:06
